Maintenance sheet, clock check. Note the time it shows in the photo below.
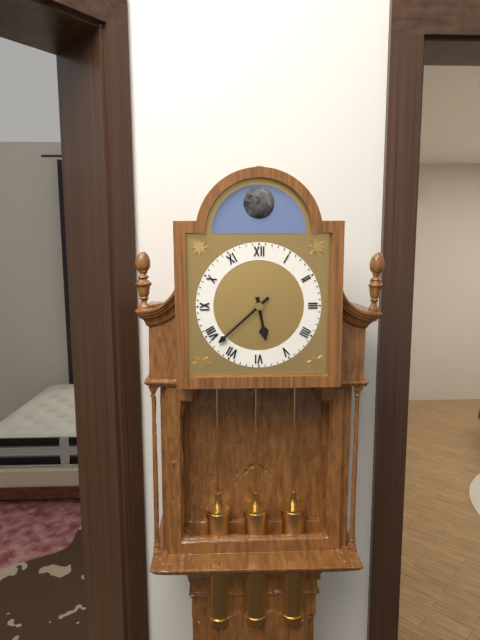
5:38
